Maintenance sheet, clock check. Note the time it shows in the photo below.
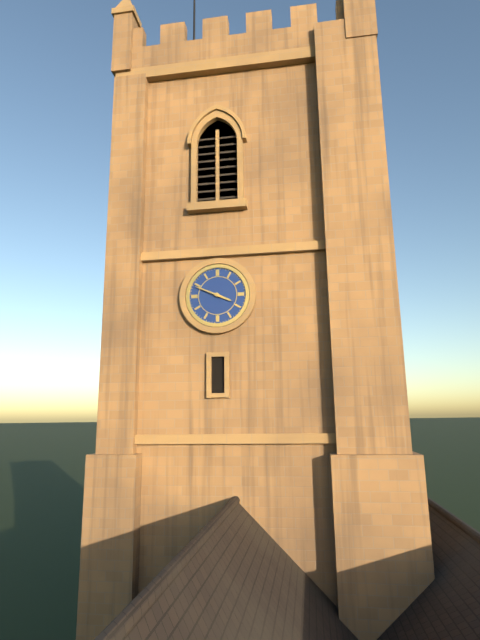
3:49
